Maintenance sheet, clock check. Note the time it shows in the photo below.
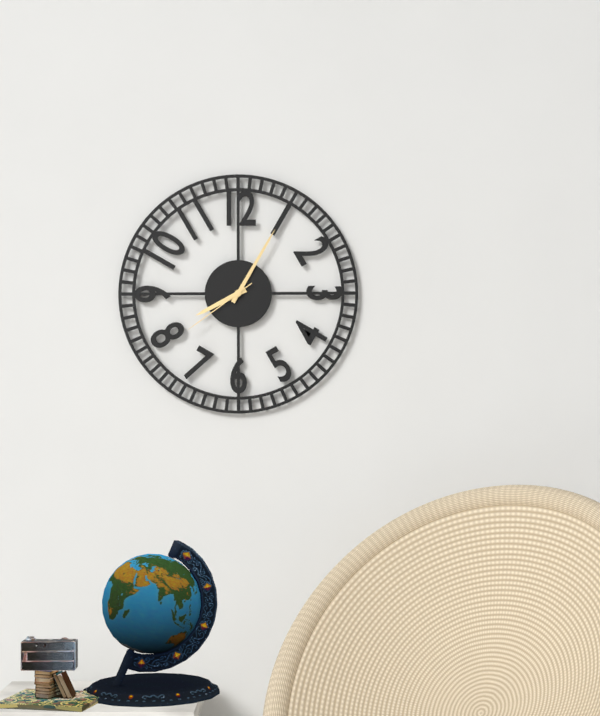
8:05:39
